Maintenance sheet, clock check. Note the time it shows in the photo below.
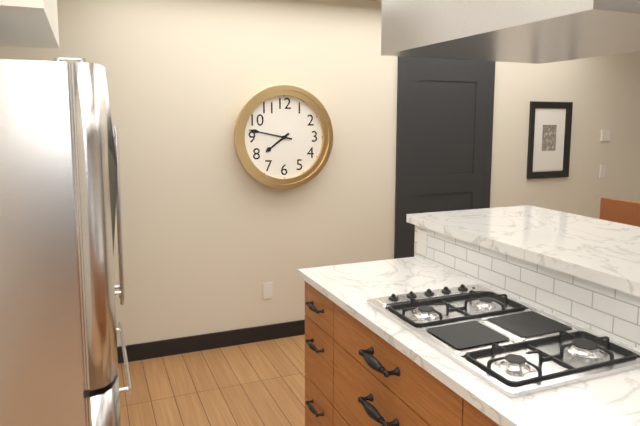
7:47
